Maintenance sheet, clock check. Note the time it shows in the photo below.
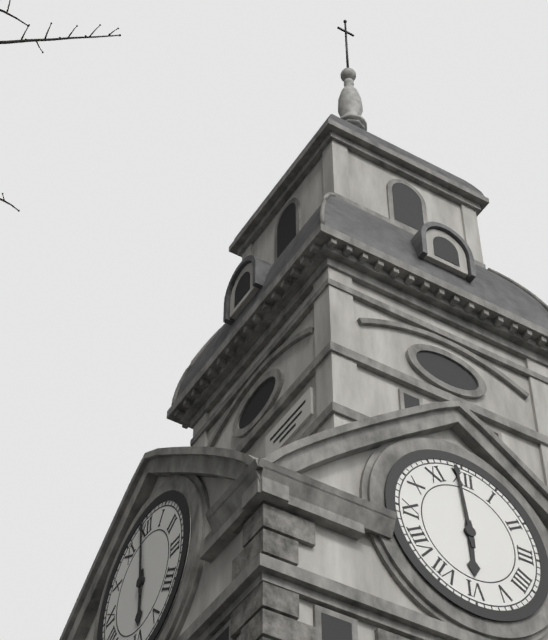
5:59
